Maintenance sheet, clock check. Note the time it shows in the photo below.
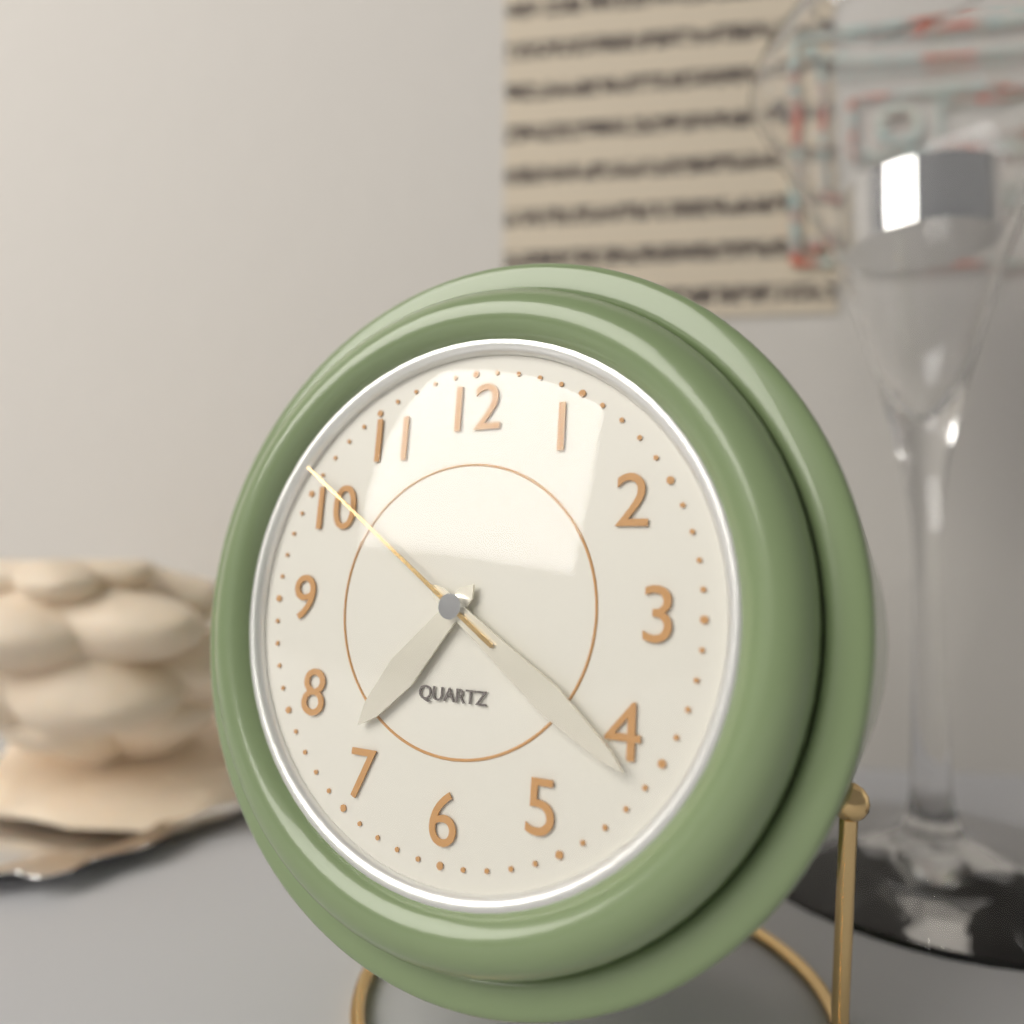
7:21:51
